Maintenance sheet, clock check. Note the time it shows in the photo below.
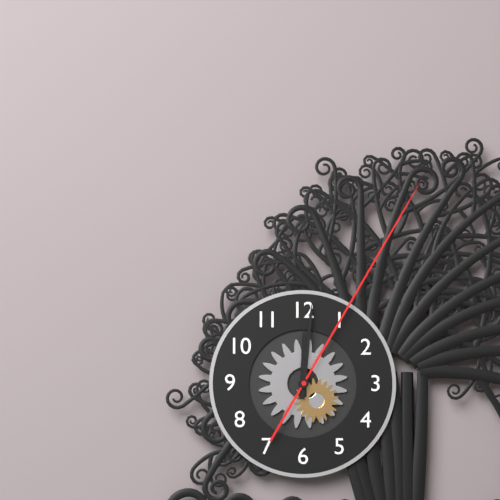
12:01:05
